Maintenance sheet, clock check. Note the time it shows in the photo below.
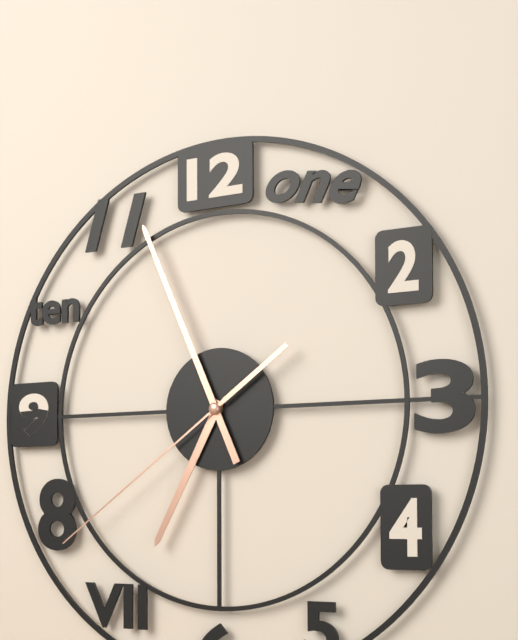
6:56:39
